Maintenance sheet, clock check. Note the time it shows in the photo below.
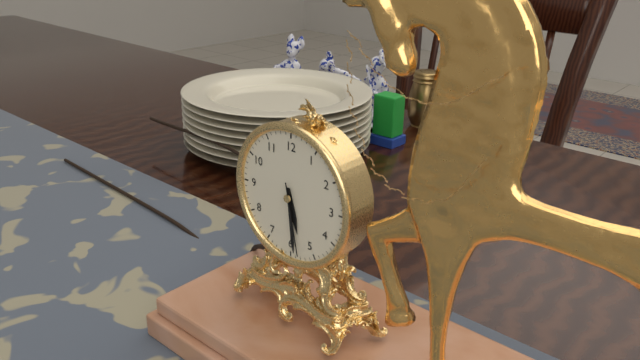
5:29:28
